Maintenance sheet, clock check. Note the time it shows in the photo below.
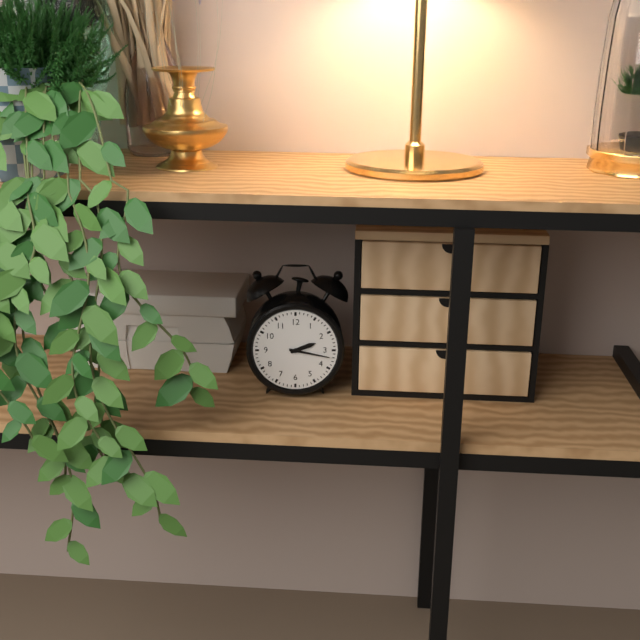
2:17
